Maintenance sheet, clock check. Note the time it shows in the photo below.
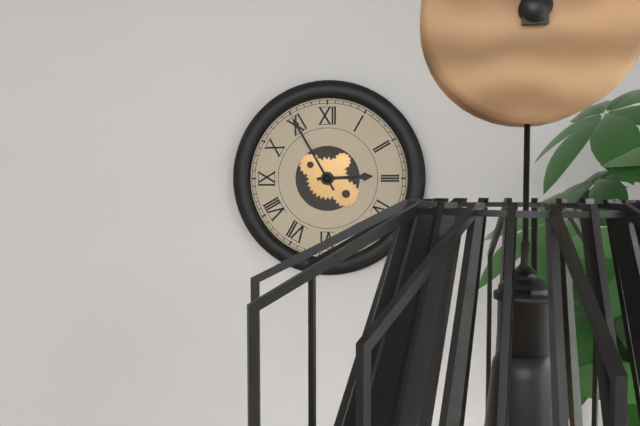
2:55
